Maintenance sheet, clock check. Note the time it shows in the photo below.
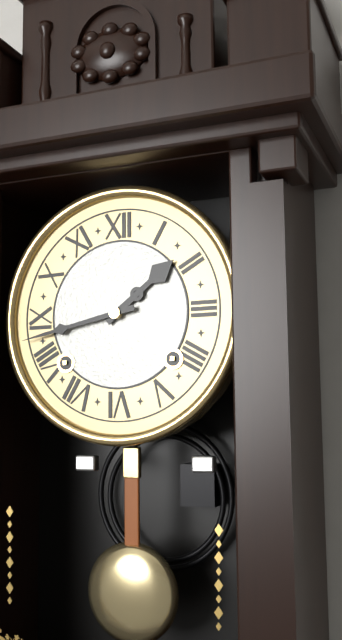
1:43
